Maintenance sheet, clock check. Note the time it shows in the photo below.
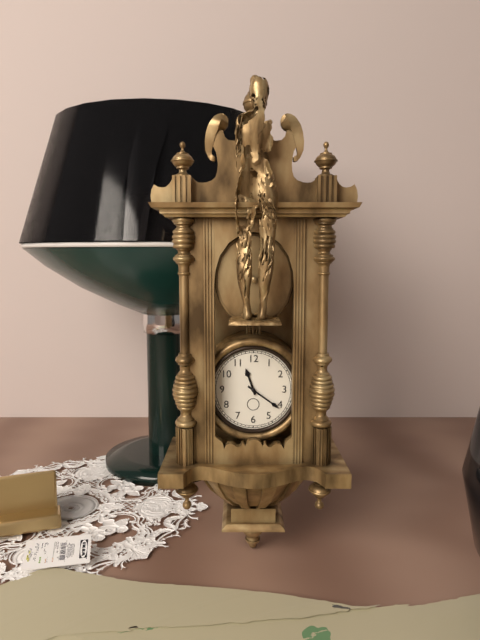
11:21
